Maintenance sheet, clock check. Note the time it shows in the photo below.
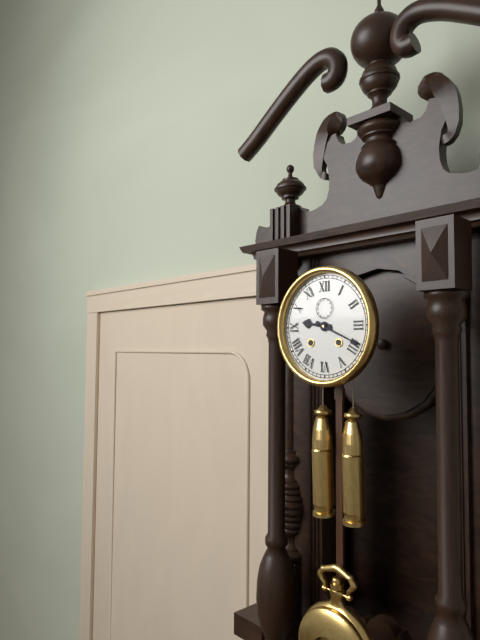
9:19
